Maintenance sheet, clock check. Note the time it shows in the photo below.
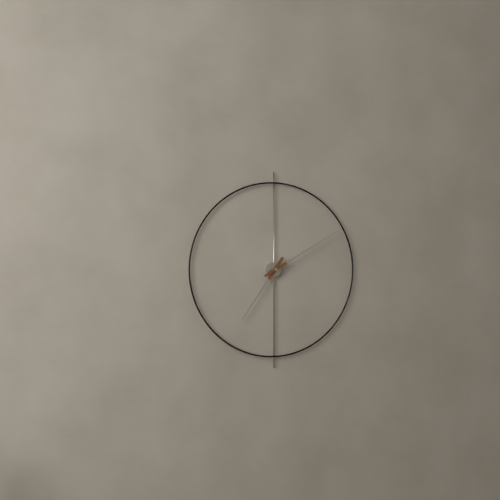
7:10
